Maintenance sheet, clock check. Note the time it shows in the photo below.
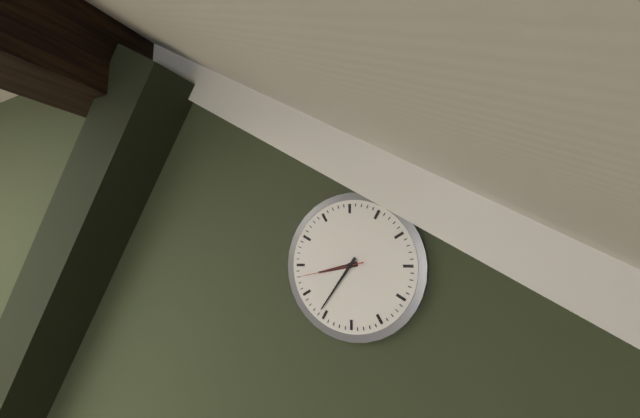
8:36:43
